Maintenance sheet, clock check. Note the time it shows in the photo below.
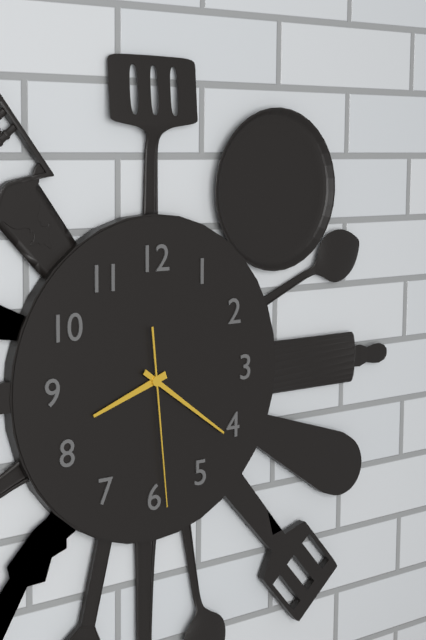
8:21:29
